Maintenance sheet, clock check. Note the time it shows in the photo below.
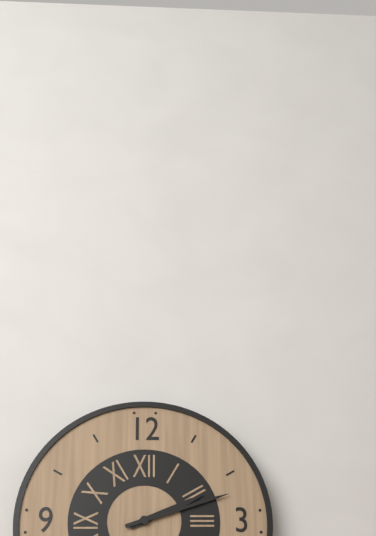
2:12
